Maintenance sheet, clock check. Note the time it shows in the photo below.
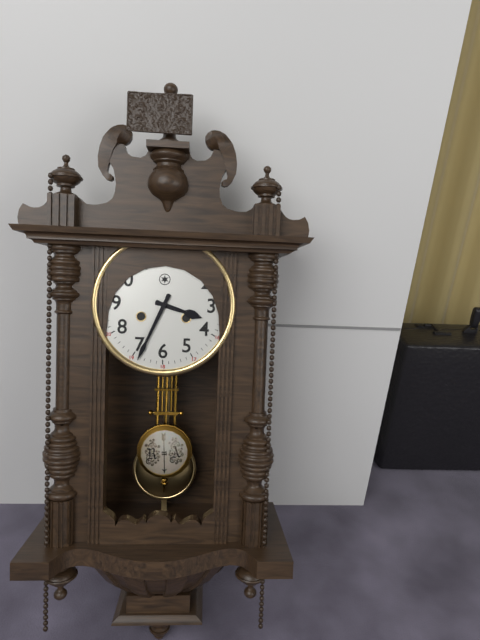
3:34
